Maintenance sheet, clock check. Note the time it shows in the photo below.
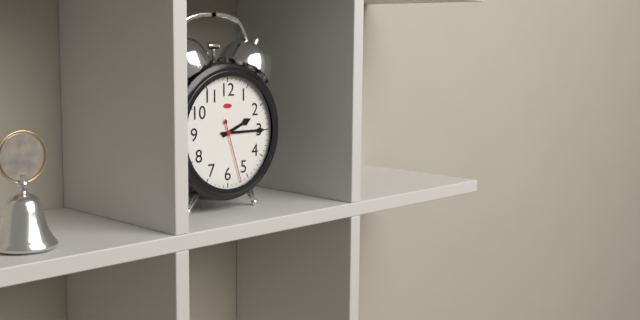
2:15:27
